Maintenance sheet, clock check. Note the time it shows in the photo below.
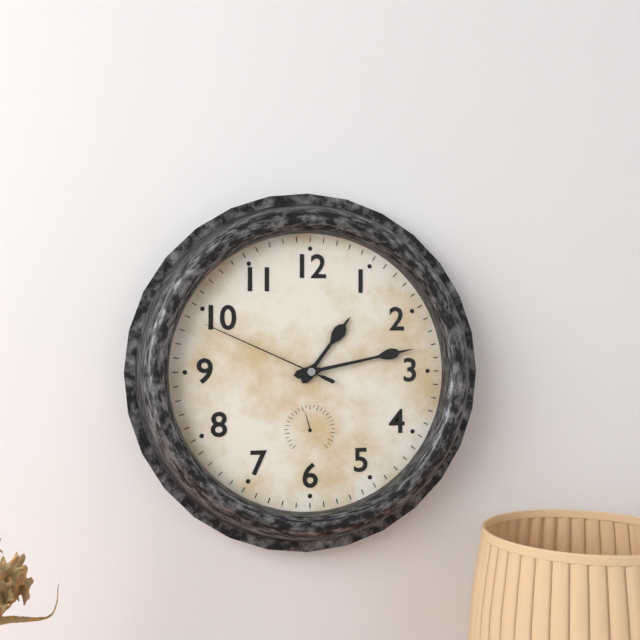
1:13:49
